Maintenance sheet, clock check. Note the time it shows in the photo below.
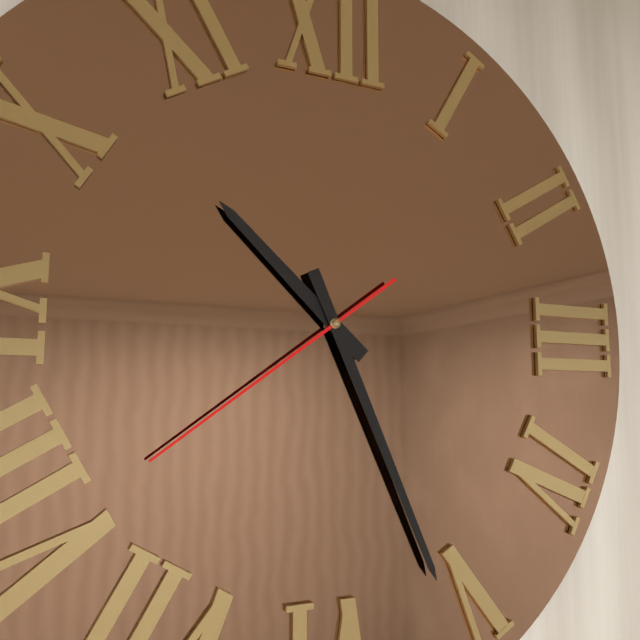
10:26:39
